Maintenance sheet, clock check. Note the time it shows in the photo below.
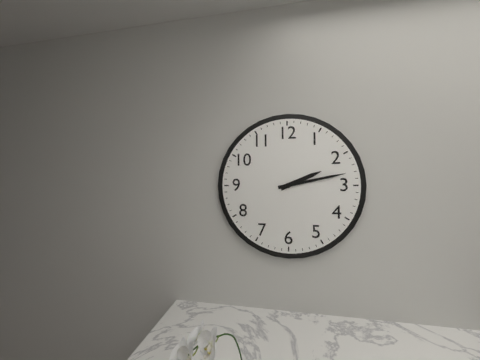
2:13
